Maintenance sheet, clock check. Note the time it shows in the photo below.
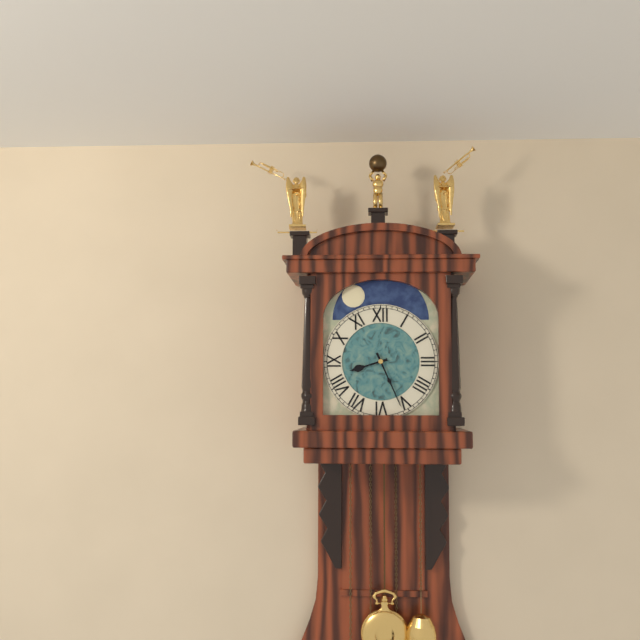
8:26
